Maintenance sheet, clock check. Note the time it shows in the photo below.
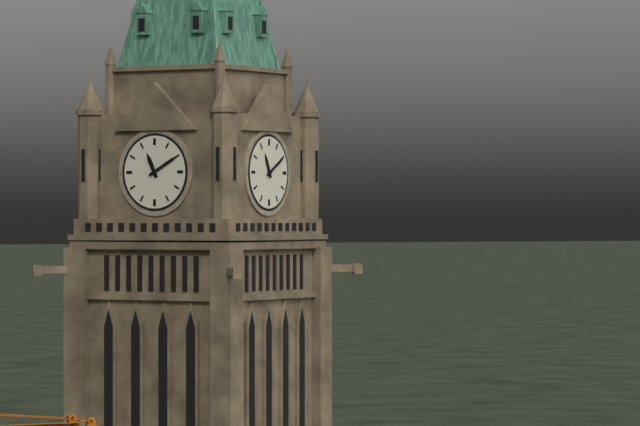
11:10
